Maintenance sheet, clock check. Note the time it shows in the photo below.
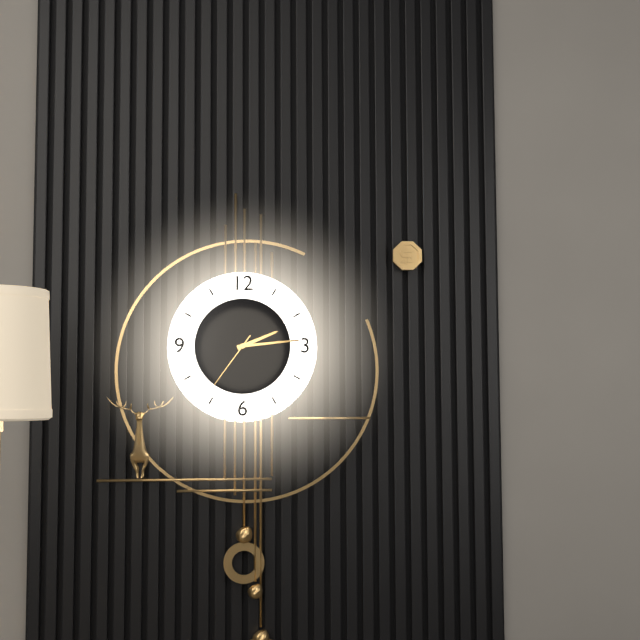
2:14:36
